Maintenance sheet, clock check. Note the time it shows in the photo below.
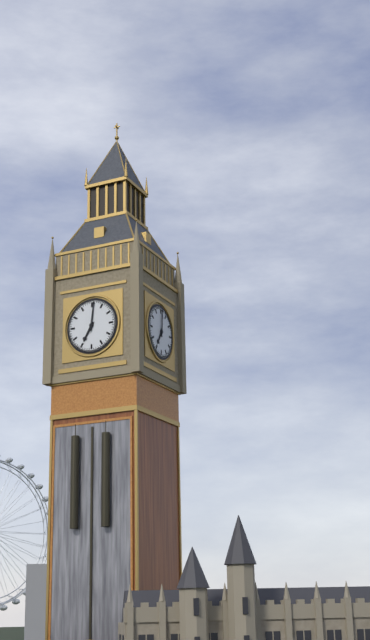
7:01
